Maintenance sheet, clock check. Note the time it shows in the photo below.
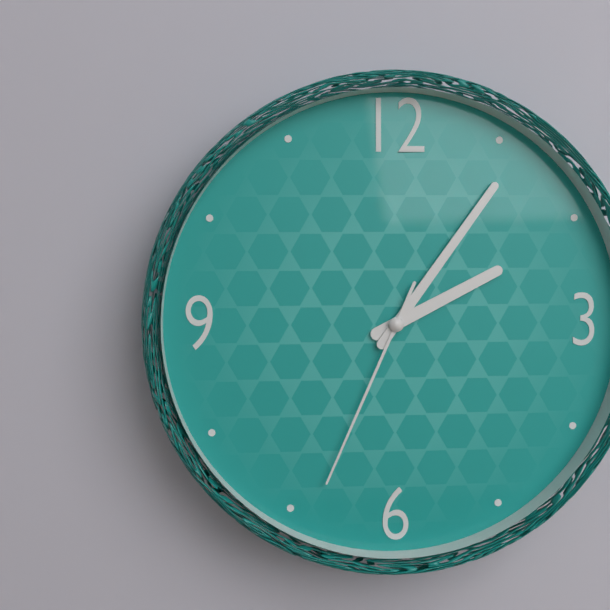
2:06:34
